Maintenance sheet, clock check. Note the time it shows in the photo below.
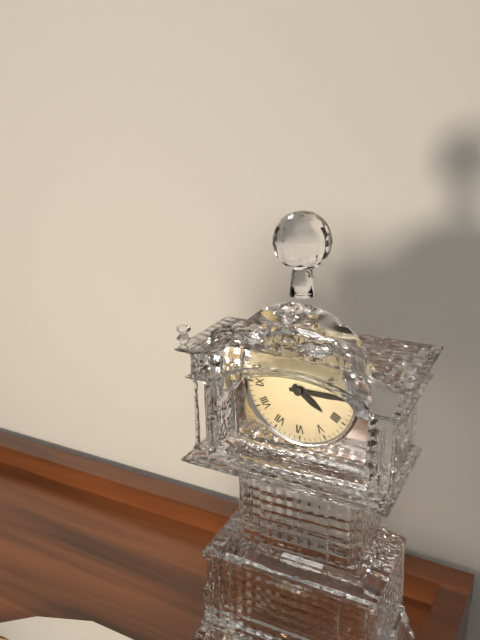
4:15
